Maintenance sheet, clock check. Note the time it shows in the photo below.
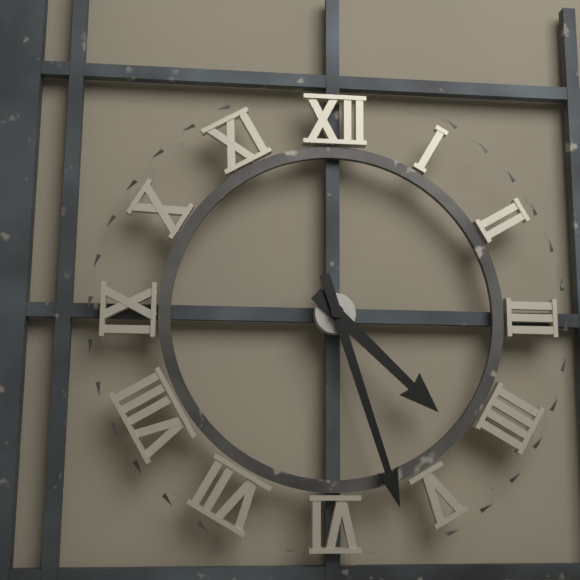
4:27
